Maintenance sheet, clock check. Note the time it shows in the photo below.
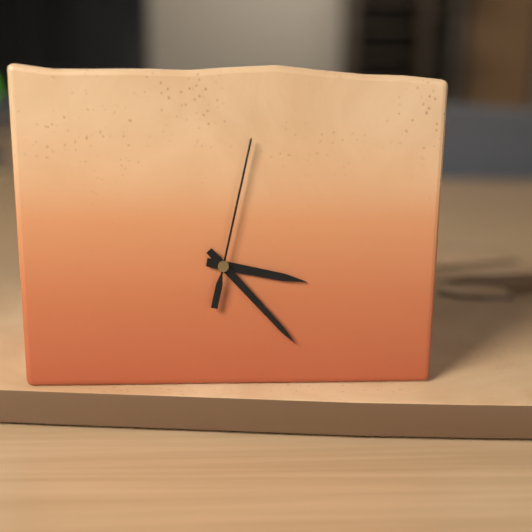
3:23:02
